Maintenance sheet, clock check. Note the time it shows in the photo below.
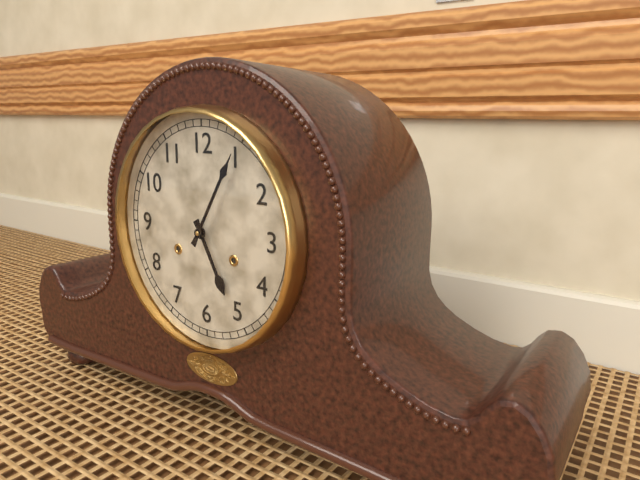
5:05
